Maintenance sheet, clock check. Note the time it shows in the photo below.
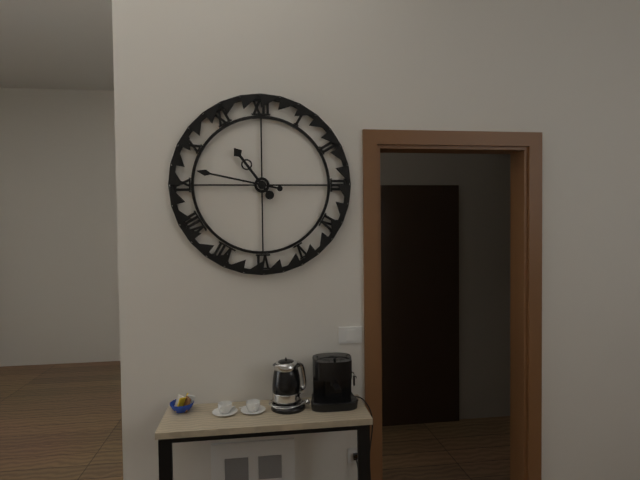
10:47
